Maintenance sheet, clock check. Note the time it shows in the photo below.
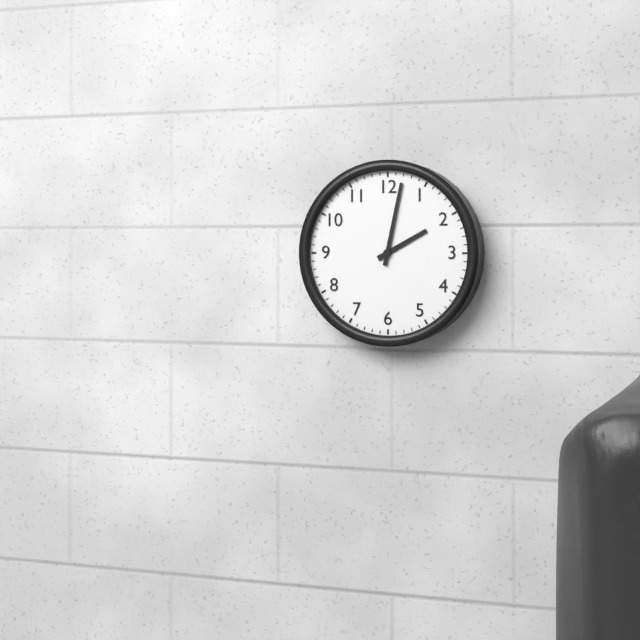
2:02
